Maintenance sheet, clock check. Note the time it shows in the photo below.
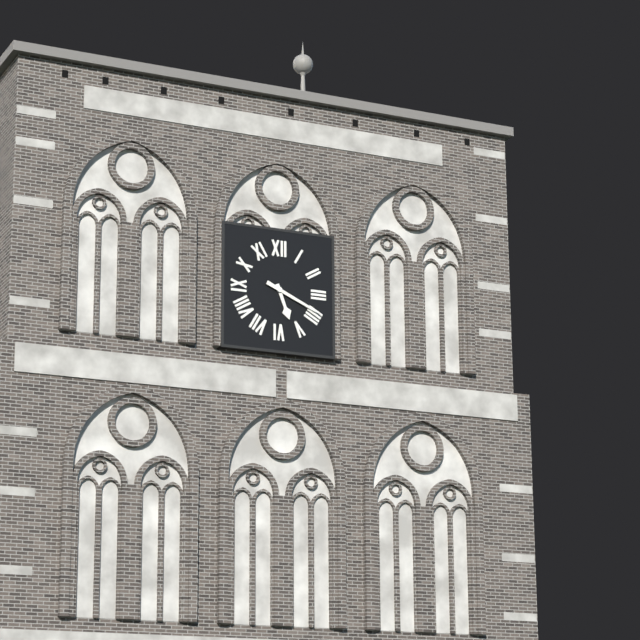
5:19
